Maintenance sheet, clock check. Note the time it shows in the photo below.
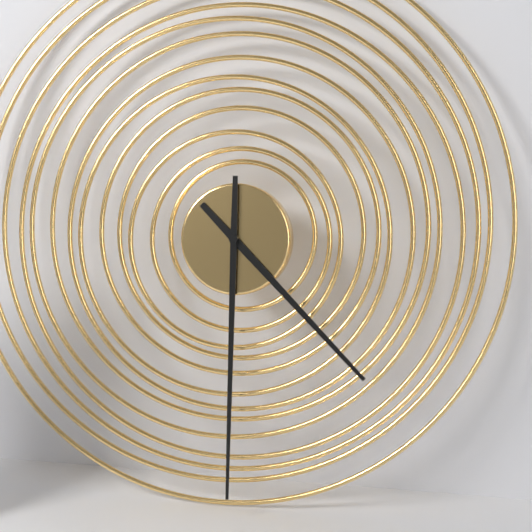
4:30
